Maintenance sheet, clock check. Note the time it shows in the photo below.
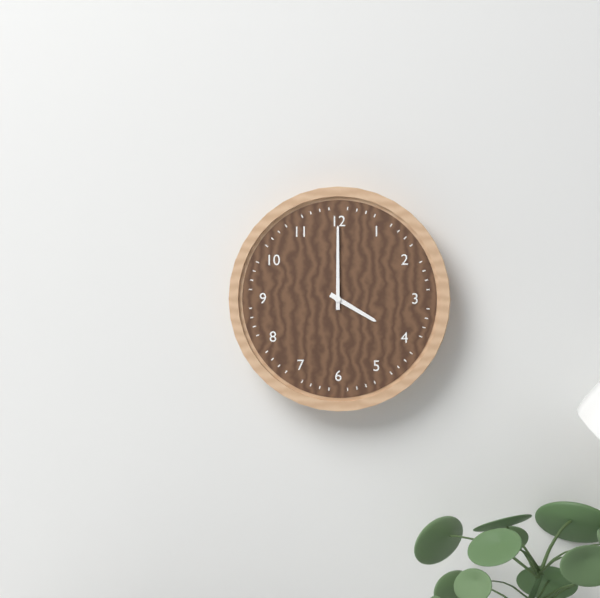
4:00
